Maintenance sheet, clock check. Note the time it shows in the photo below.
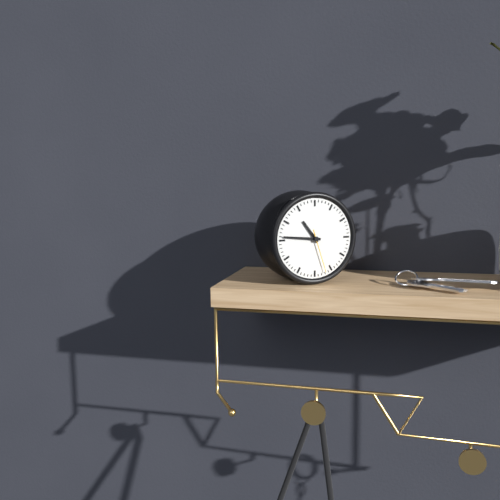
10:46
